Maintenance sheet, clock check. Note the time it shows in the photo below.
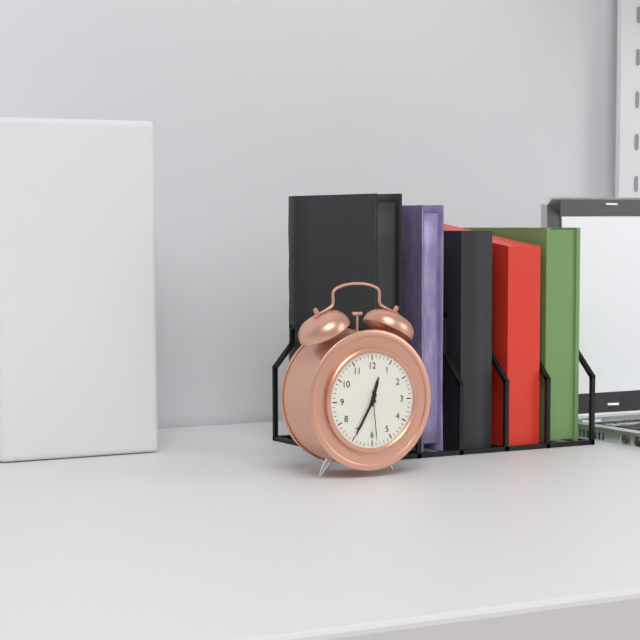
12:35:29
